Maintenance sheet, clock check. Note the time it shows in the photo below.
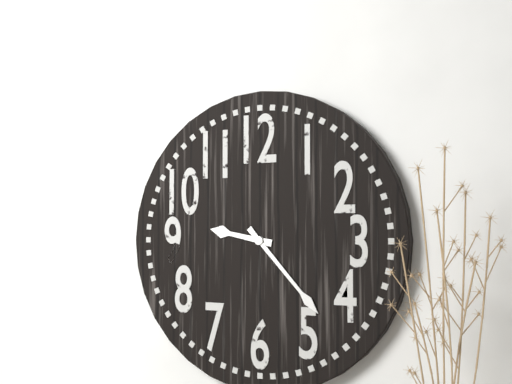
9:23
